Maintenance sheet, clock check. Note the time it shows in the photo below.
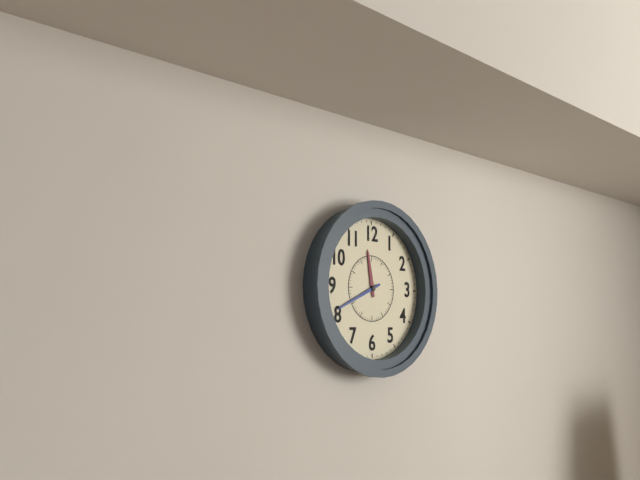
11:41
